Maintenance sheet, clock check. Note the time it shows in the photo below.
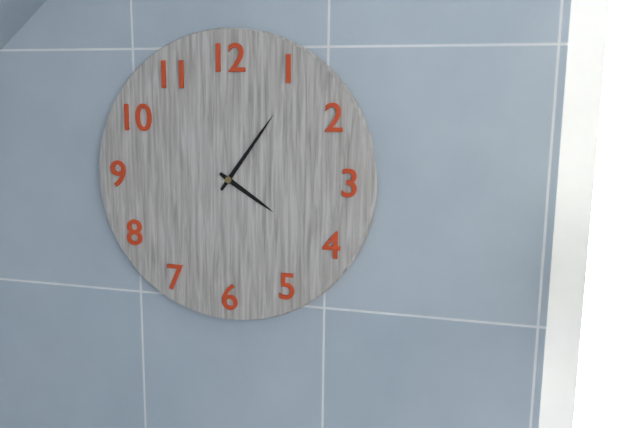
4:06
